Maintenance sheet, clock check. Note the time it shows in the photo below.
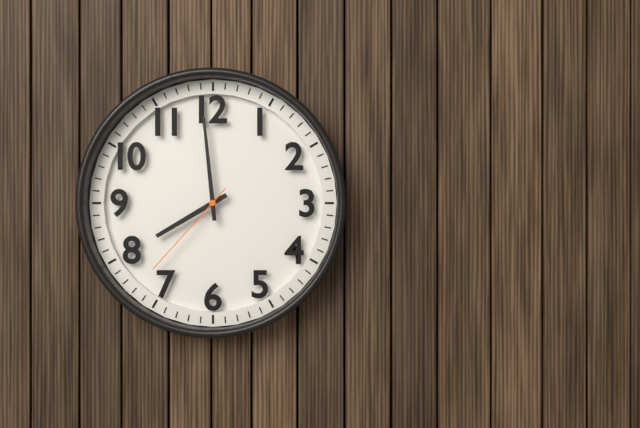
7:59:37
